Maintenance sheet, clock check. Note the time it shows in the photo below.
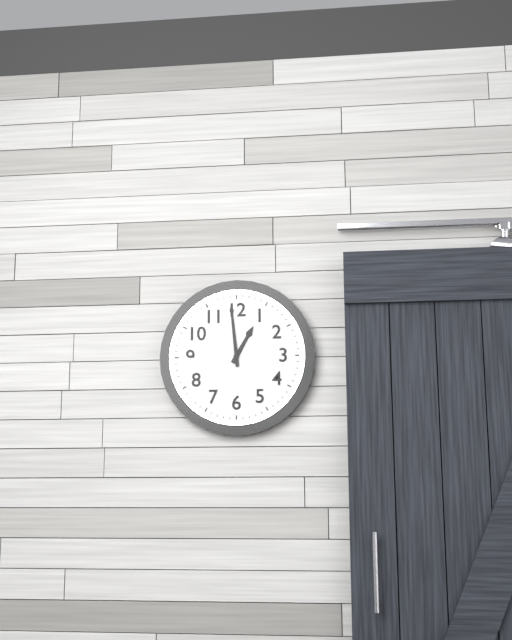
12:59
